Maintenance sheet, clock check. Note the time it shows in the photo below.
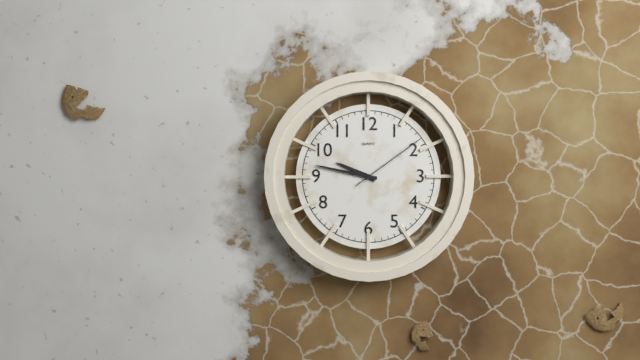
9:47:09
